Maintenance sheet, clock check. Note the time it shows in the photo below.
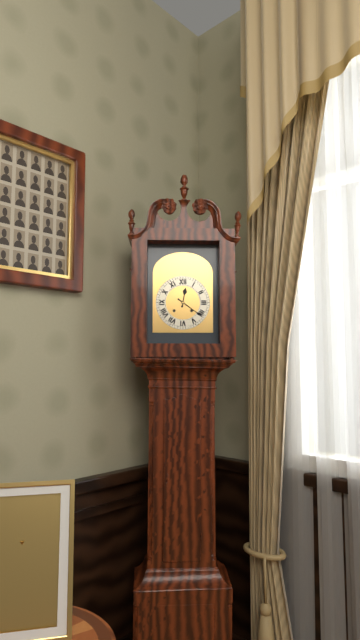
12:21
